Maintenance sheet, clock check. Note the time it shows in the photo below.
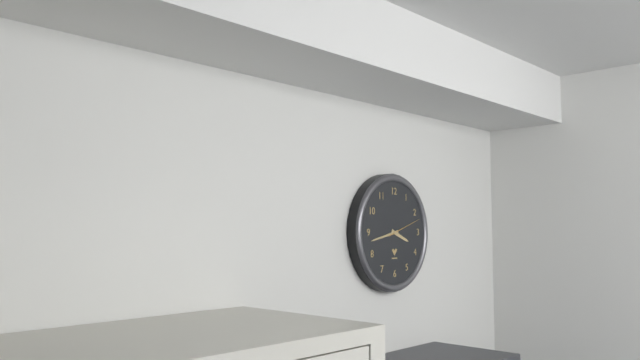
3:43
